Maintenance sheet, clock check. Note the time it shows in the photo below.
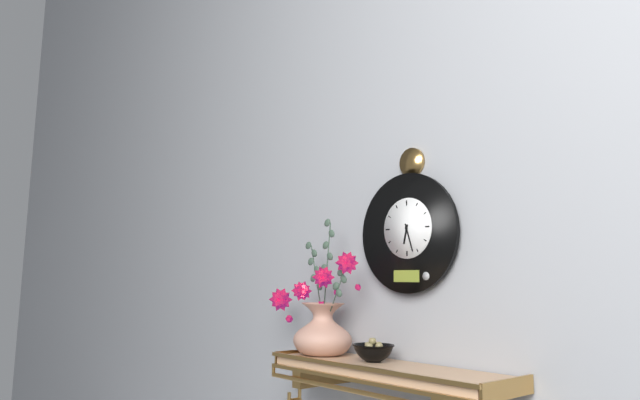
6:27
